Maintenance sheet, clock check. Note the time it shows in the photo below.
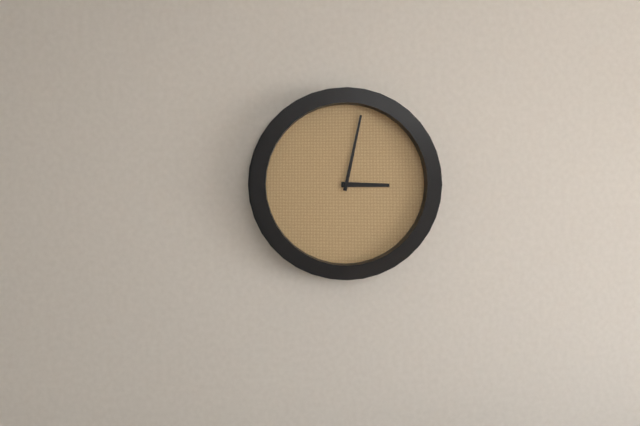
3:02
